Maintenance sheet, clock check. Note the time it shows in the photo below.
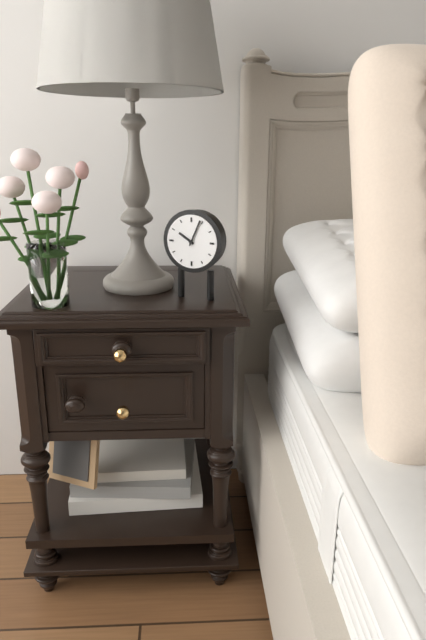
10:04
